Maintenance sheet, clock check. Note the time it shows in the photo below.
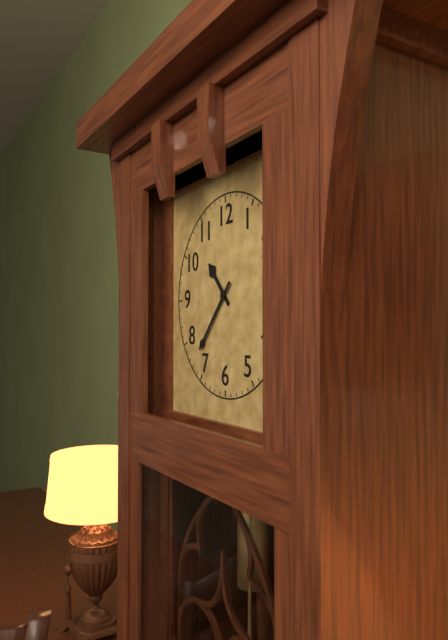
10:37
